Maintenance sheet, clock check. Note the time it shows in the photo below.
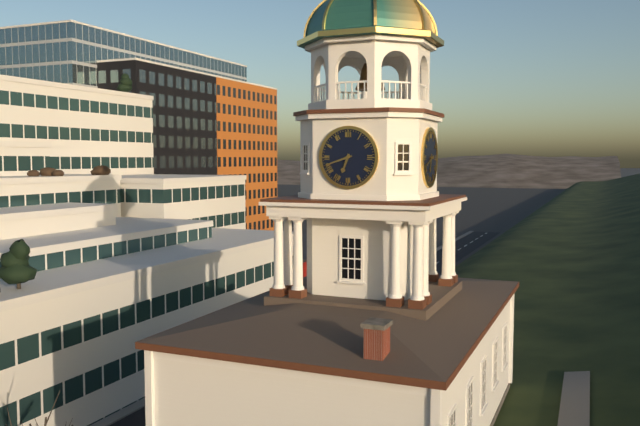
6:42
